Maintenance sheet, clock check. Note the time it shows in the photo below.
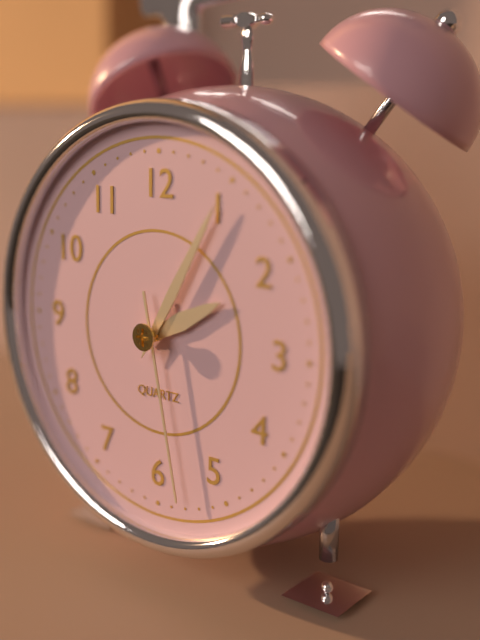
2:05:28
